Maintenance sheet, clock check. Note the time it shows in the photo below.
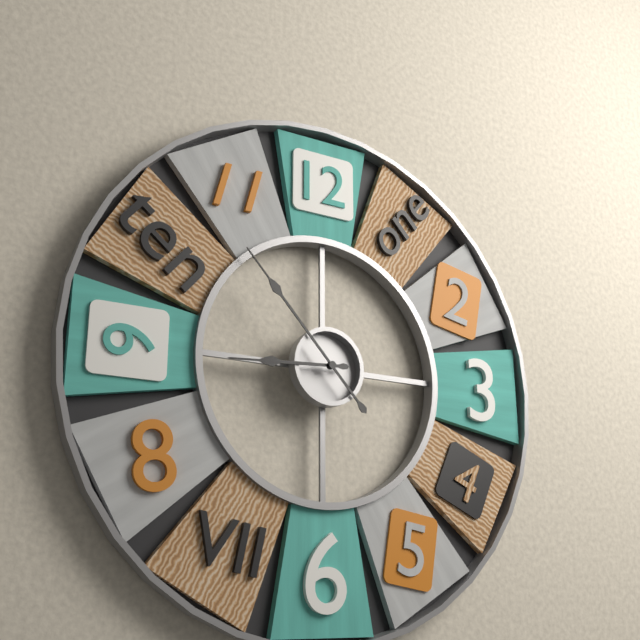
8:53
